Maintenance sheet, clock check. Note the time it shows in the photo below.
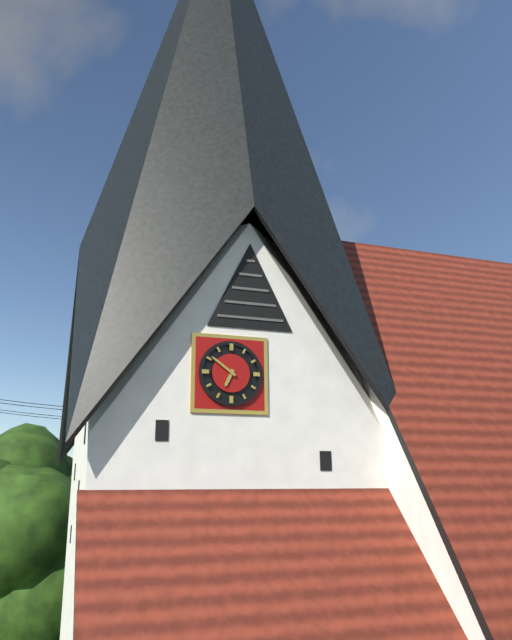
6:51
